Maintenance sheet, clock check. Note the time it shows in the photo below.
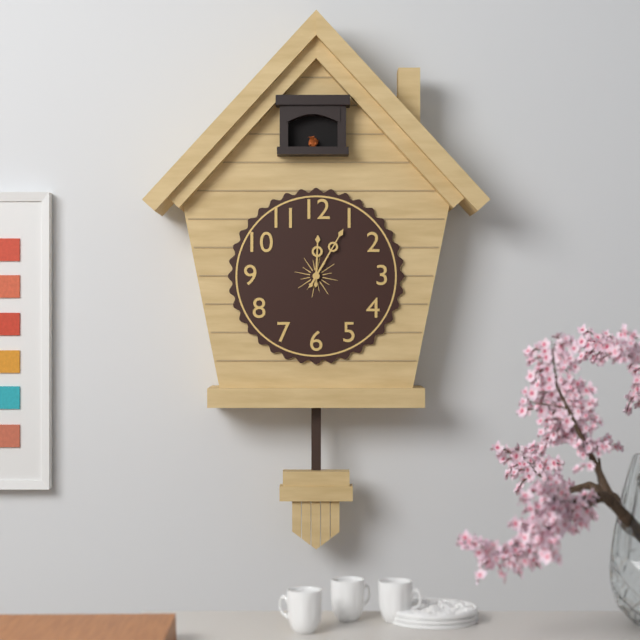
12:05
